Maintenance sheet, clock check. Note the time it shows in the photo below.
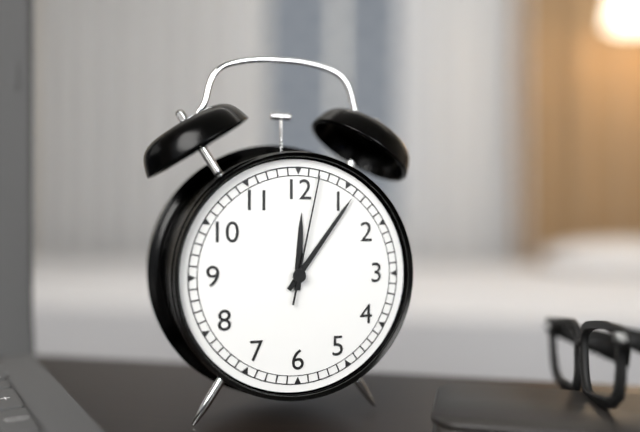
12:06:02
